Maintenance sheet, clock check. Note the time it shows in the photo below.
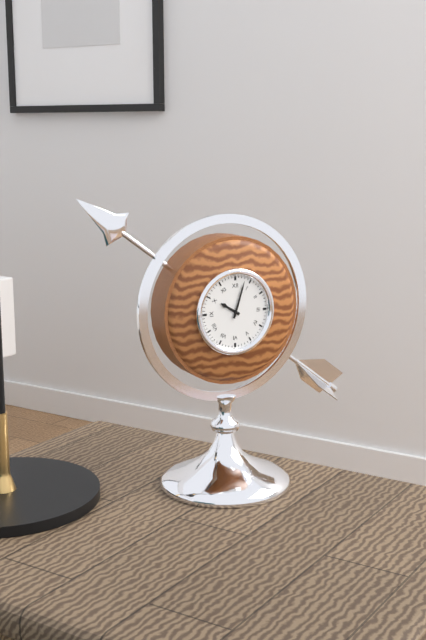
10:03
